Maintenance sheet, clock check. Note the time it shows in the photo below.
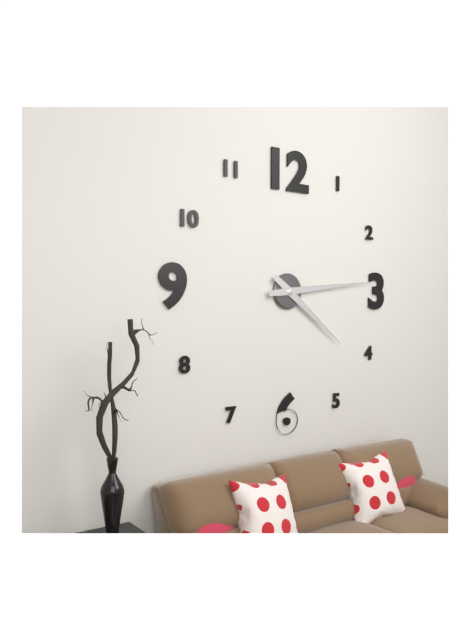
4:14
